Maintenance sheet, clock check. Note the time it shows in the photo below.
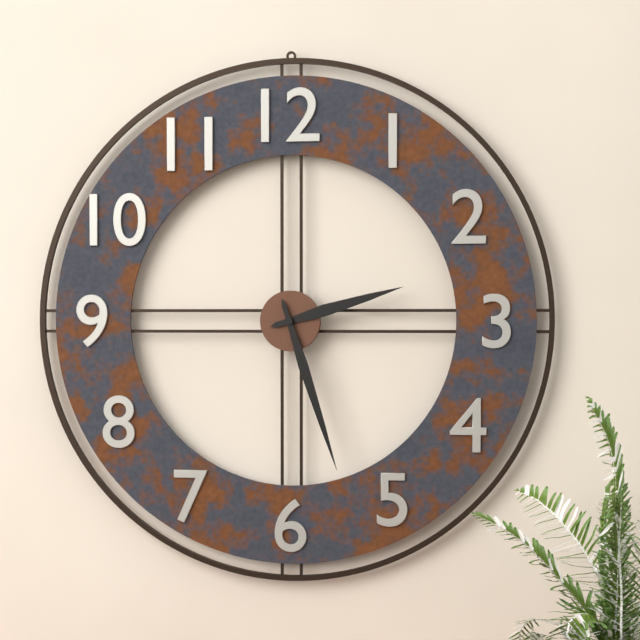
2:27
